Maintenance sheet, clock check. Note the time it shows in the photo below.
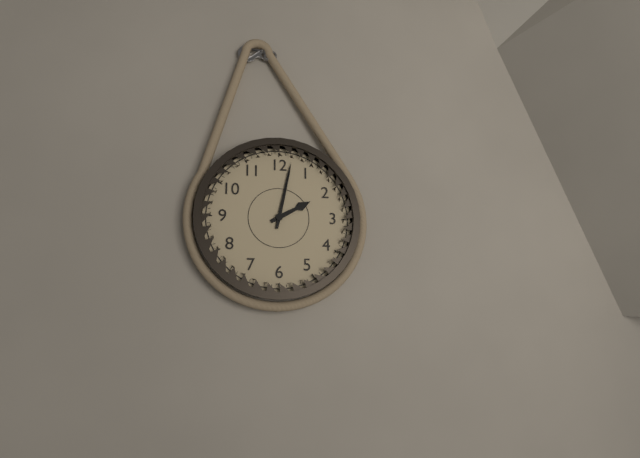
2:02
